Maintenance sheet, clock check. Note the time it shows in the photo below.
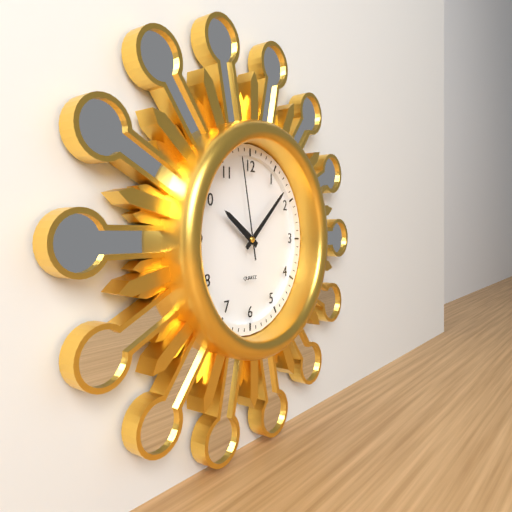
10:08:58
